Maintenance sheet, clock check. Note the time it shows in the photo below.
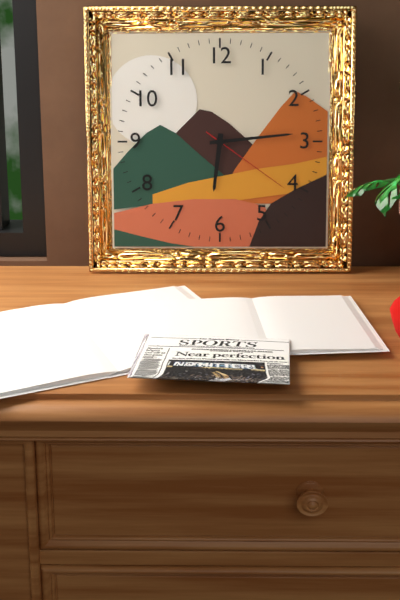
6:14:21
